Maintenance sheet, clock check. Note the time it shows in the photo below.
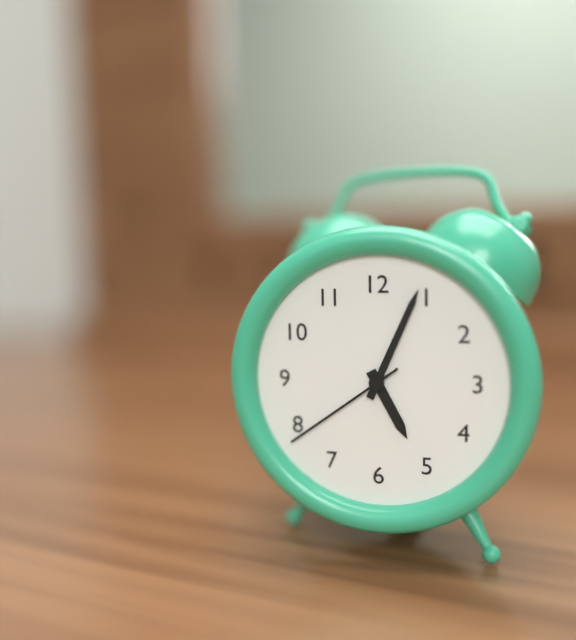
5:04:39
